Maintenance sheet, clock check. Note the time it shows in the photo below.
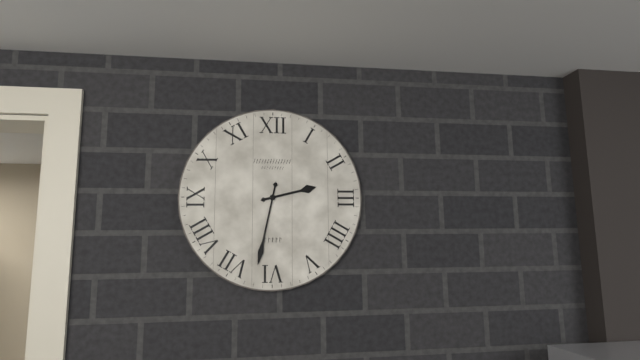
2:32
